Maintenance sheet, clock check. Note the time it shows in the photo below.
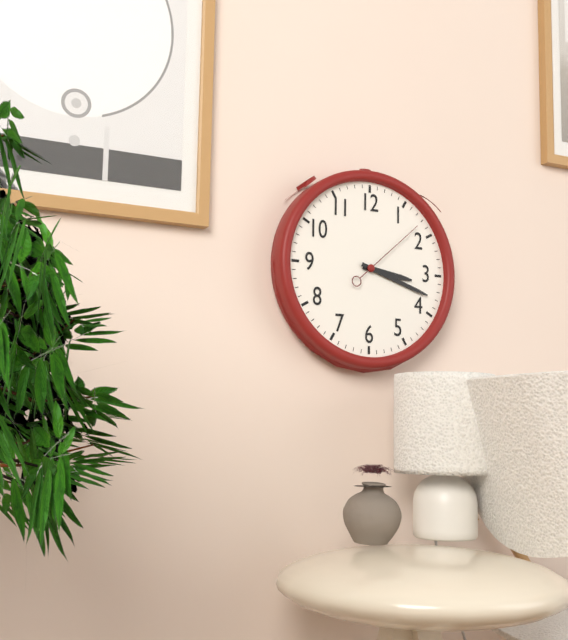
3:18:08
